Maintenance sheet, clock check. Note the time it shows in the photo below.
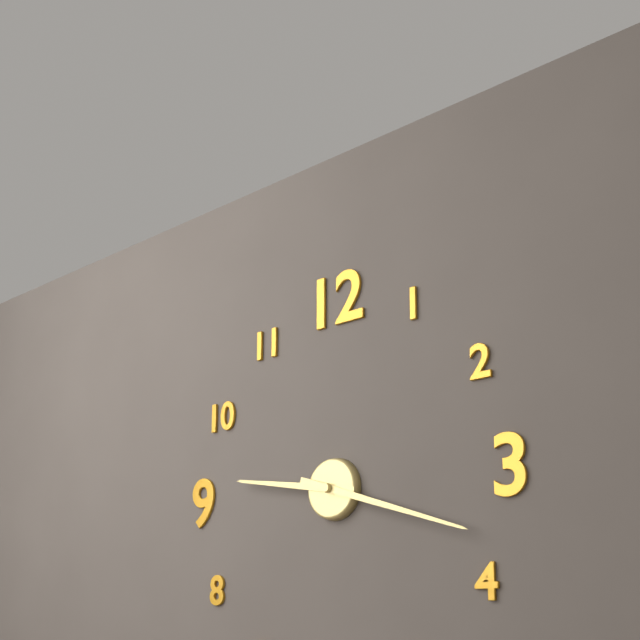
9:18
